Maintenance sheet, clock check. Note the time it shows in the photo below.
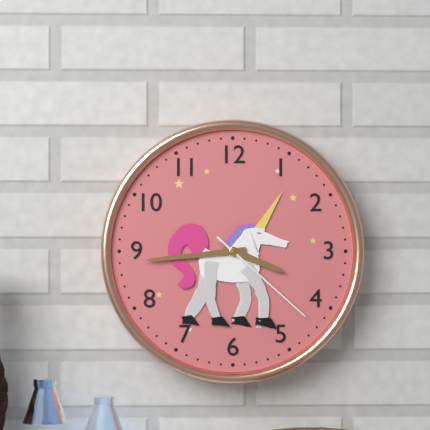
3:44:22
